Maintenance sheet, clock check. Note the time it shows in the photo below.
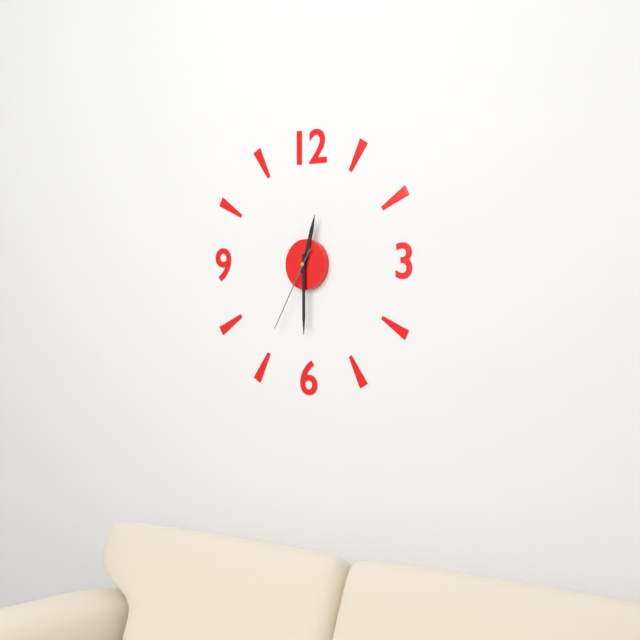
12:30:35
